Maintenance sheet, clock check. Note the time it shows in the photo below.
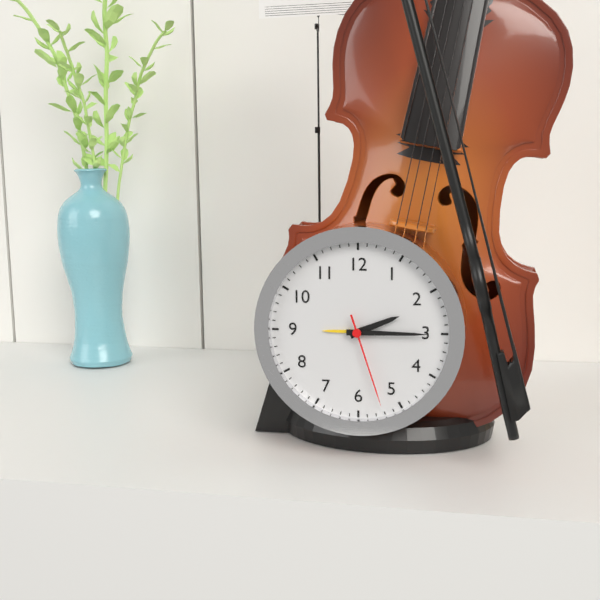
2:15:27
